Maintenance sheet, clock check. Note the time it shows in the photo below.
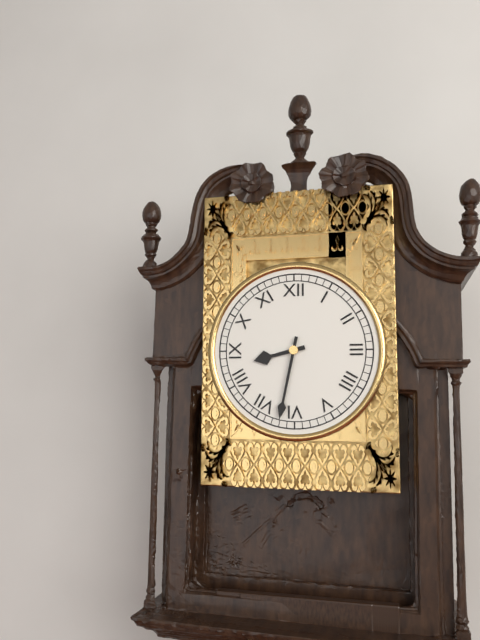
8:32
